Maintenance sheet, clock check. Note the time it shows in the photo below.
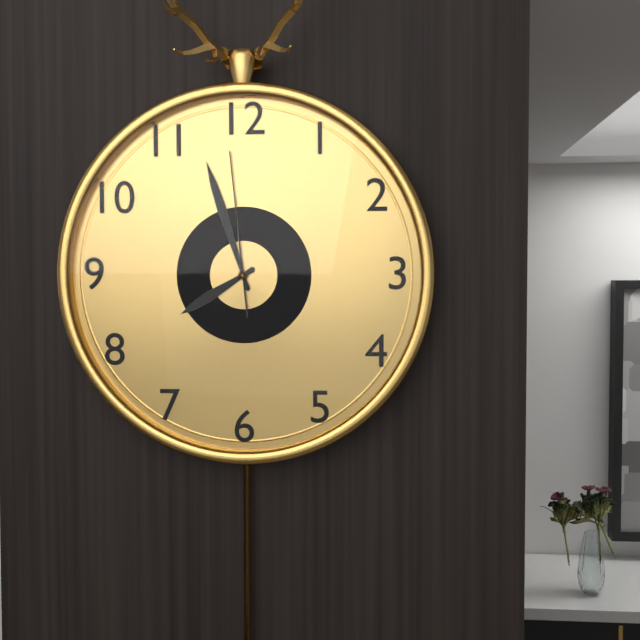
7:57:59
